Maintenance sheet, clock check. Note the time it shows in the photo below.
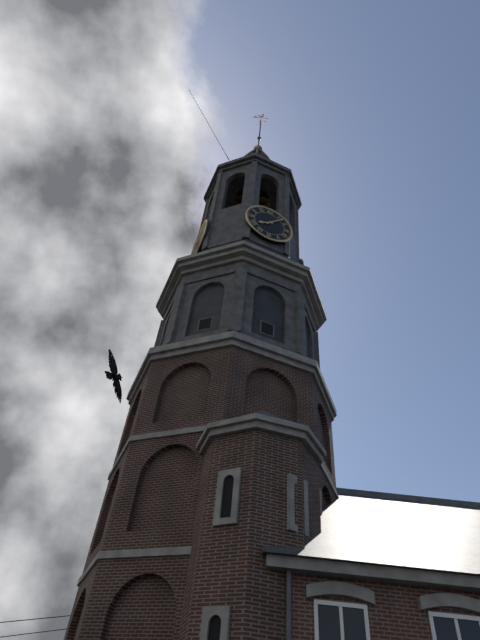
8:07
